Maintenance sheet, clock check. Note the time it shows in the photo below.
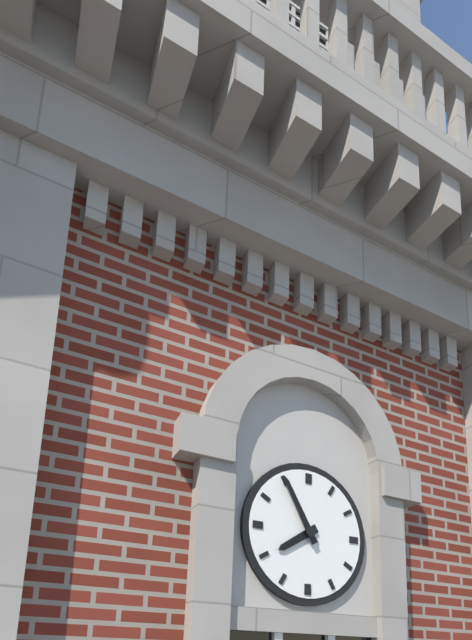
7:55
